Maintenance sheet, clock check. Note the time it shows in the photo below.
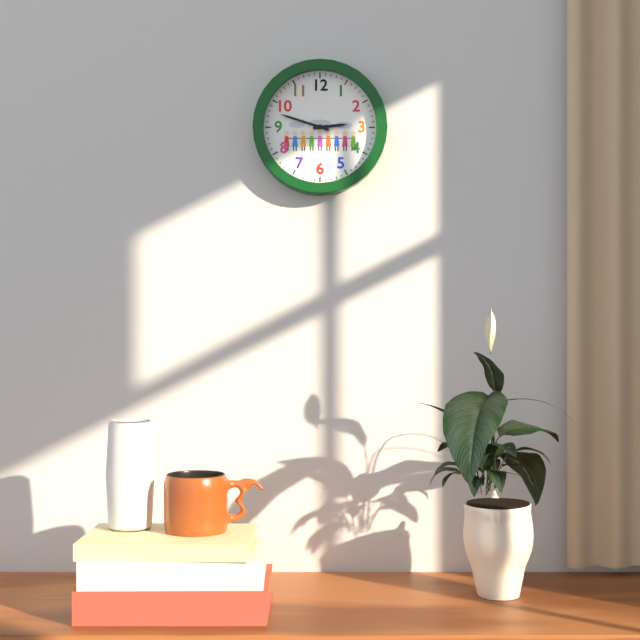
2:48
